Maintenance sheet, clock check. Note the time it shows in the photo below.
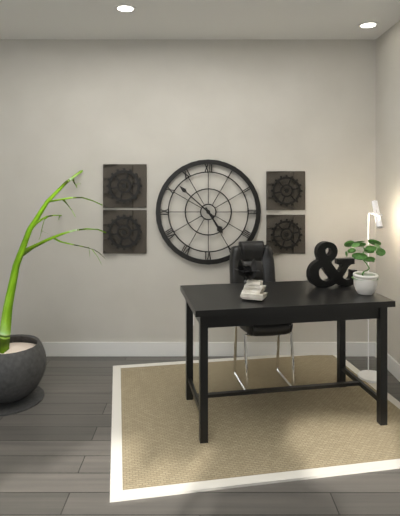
4:52
